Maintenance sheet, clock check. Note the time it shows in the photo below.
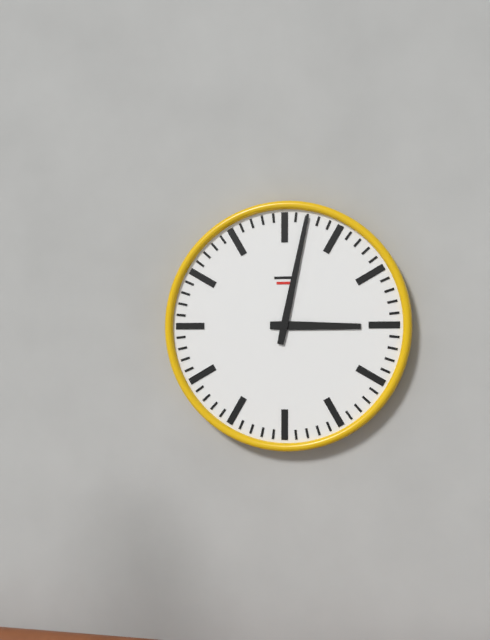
3:02
